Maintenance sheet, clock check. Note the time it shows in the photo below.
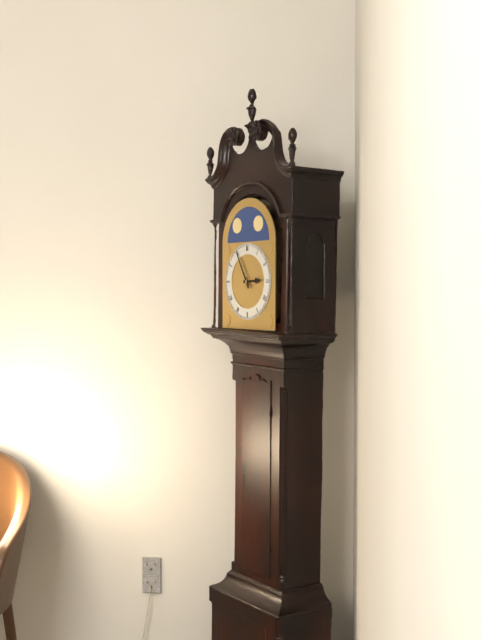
2:55
